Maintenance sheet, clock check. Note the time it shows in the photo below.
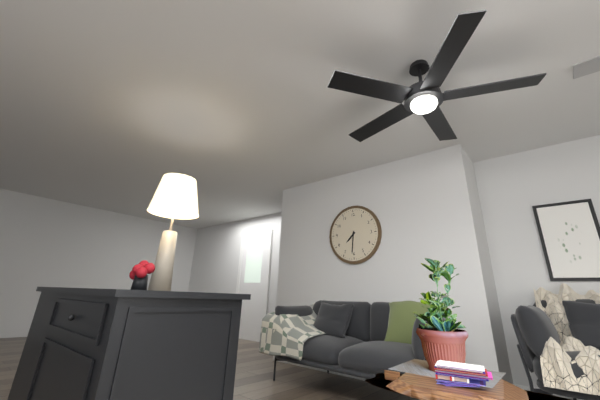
7:31
